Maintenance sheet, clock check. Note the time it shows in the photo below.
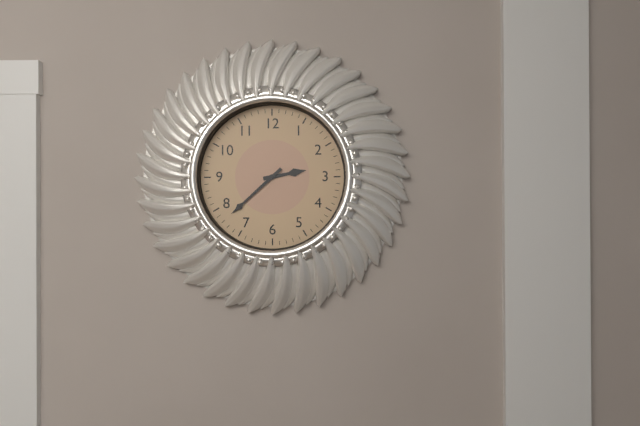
2:38
